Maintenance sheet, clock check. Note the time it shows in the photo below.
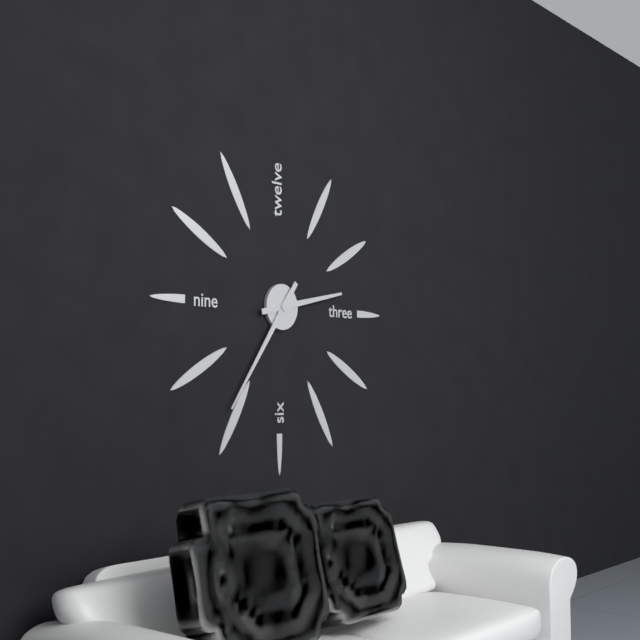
2:36
